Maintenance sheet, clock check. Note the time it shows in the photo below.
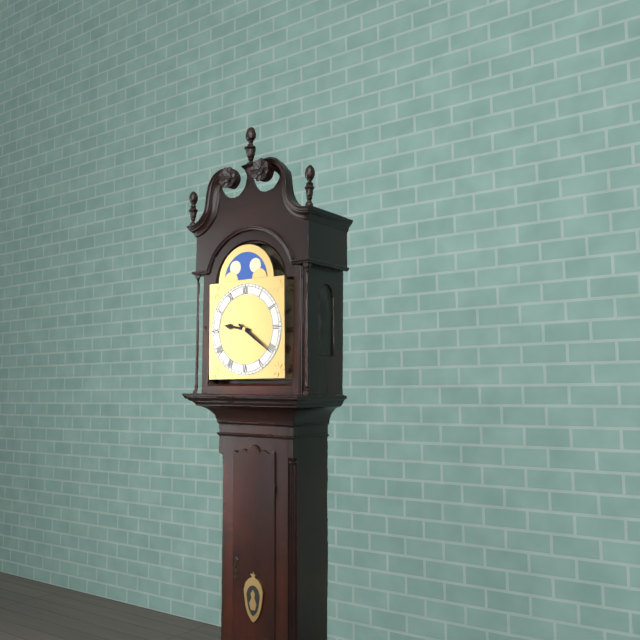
9:21
